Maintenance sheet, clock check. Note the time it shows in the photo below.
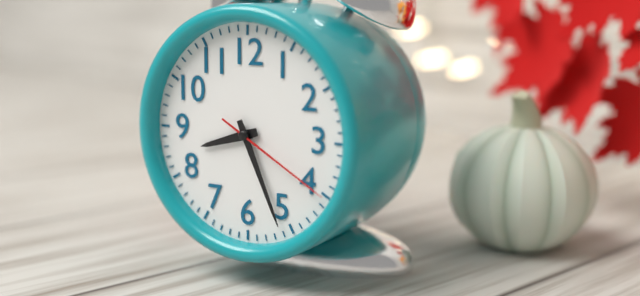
8:26:20
